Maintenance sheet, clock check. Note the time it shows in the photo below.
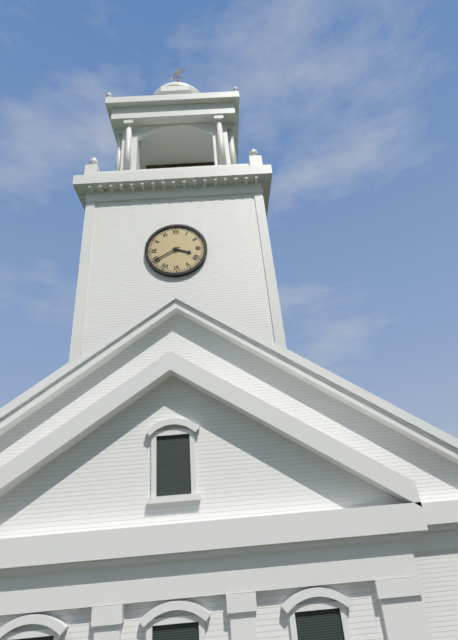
3:40
